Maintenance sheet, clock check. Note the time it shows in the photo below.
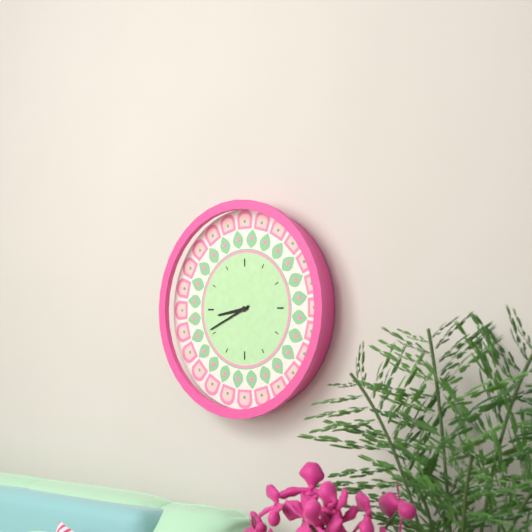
8:41
